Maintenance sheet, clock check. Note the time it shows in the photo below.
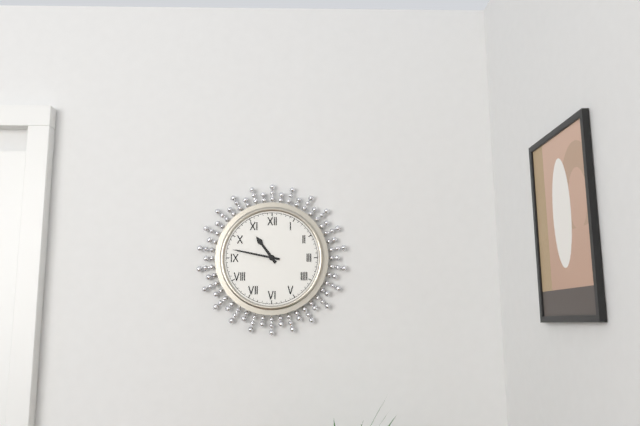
10:47
